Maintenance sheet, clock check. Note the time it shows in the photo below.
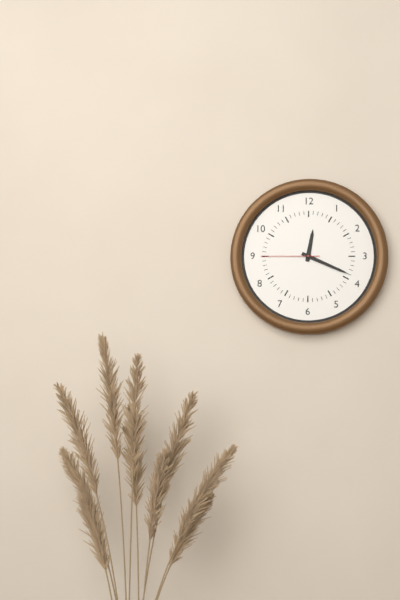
12:19:45
